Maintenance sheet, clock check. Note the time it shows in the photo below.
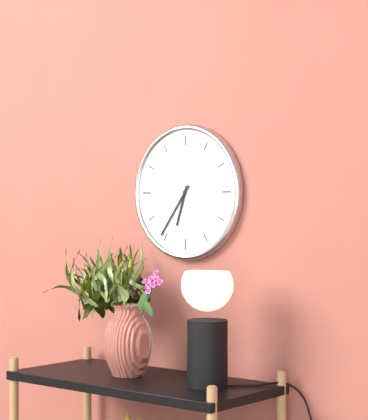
6:36
